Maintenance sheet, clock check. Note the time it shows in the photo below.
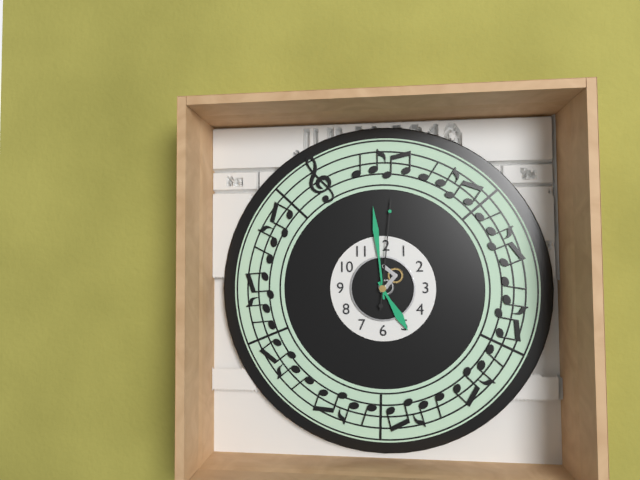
4:59:01
